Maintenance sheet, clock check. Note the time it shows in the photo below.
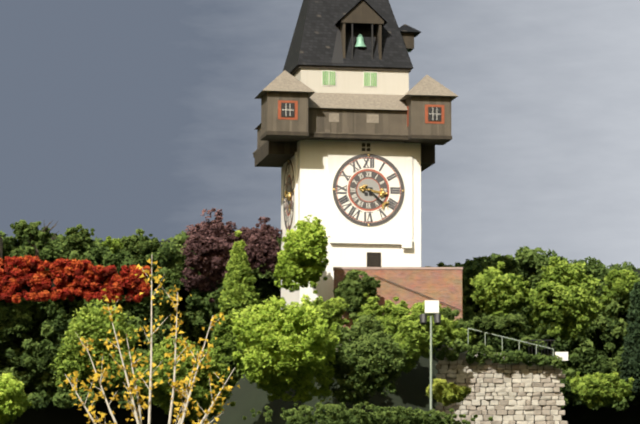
3:22
